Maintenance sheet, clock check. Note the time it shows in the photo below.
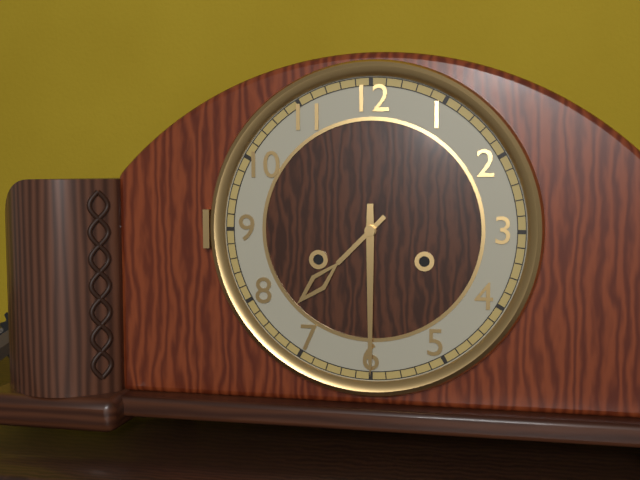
7:30
